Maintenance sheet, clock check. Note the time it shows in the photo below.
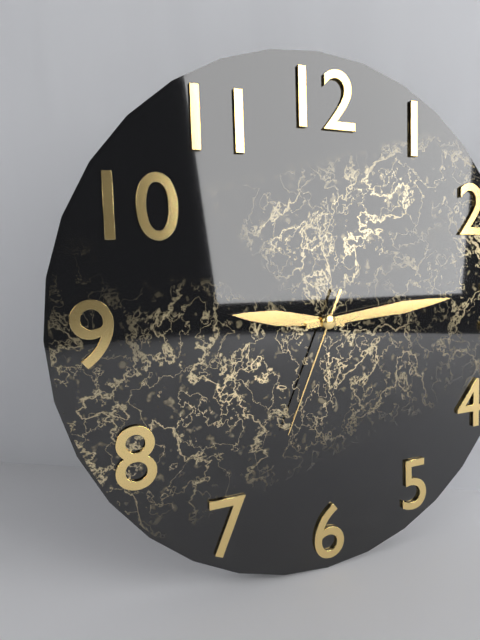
9:14:34
